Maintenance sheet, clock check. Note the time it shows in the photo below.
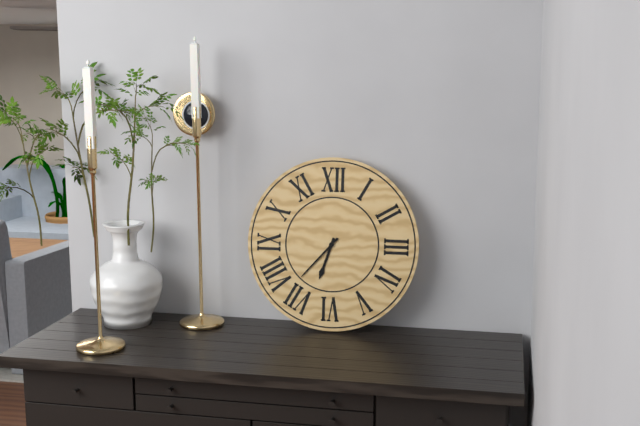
6:37
